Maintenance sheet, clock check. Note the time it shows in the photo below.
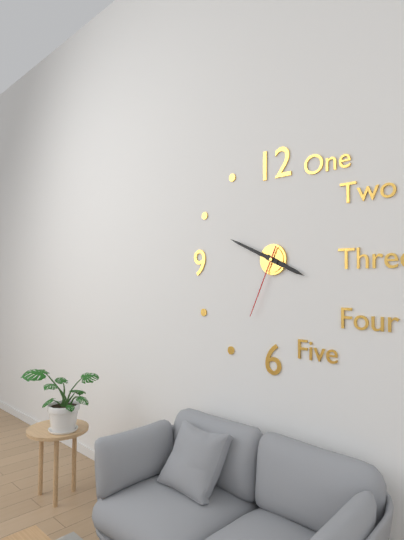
3:49:34
